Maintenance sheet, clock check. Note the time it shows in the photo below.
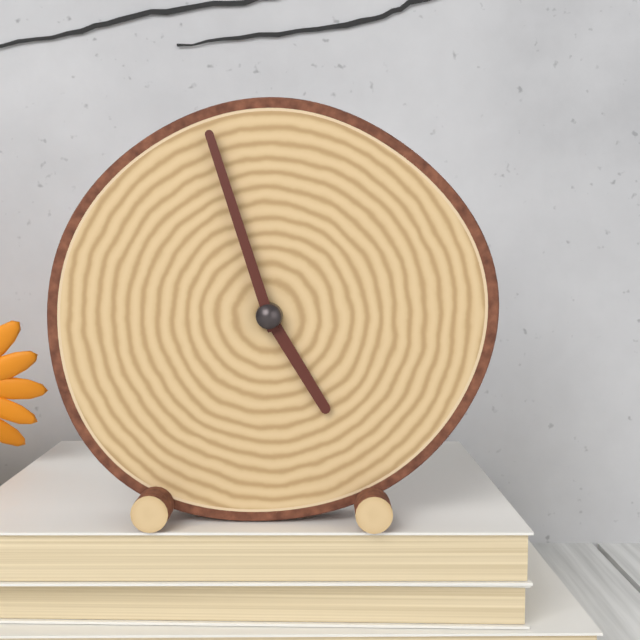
4:57
